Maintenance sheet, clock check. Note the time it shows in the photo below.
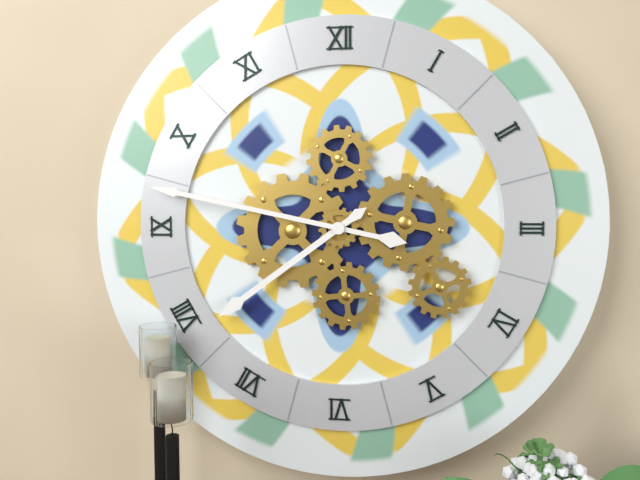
7:47
